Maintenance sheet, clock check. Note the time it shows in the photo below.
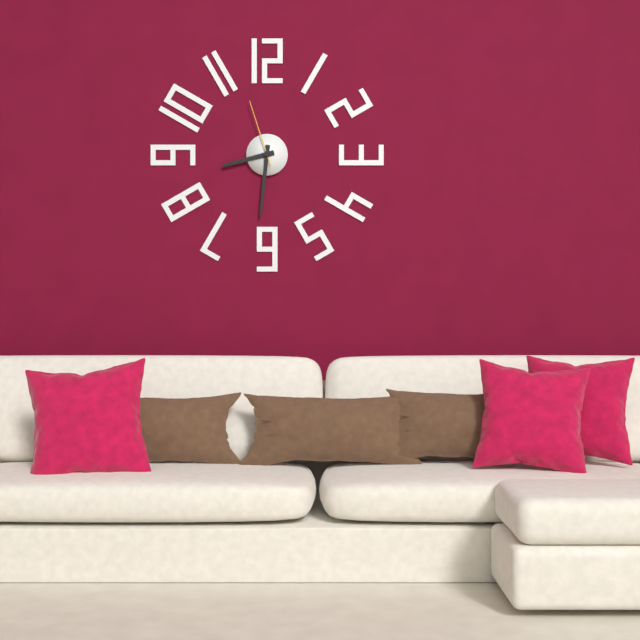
8:31:57
